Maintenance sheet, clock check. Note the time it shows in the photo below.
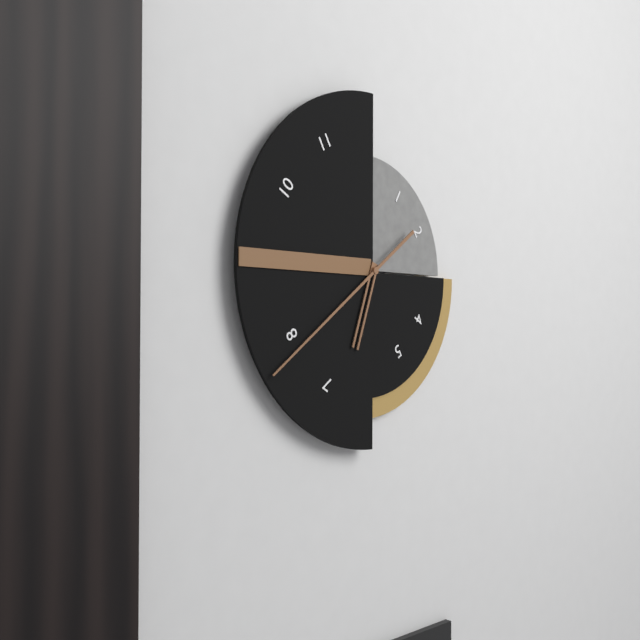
6:39
